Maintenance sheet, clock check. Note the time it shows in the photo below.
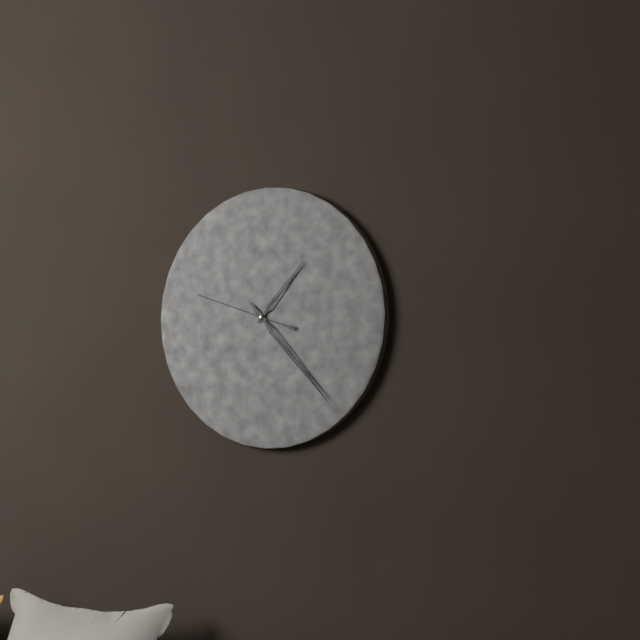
1:23:48
